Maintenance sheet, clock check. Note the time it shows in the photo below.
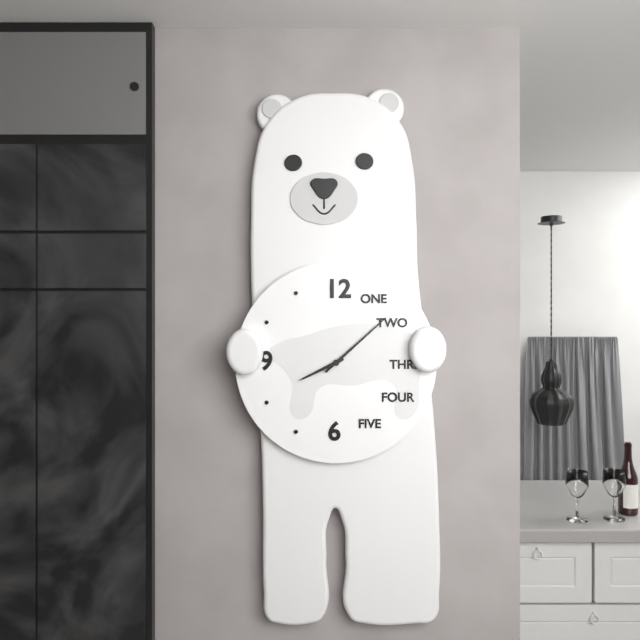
8:08
